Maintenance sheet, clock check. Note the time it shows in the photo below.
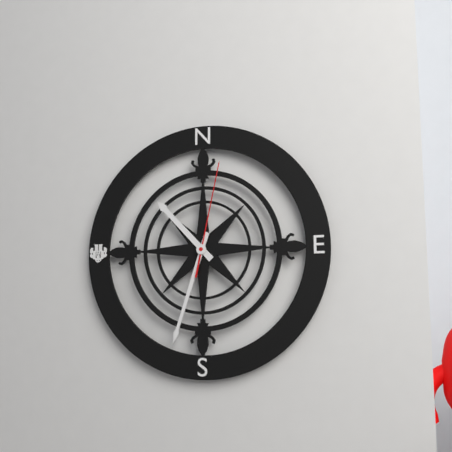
10:33:02
